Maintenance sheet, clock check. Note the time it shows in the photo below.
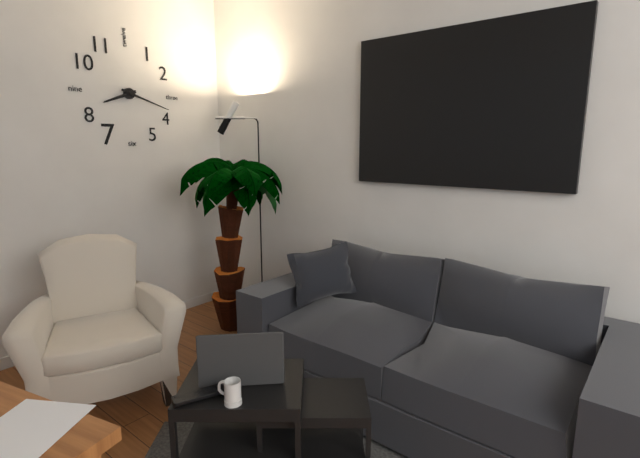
8:18
